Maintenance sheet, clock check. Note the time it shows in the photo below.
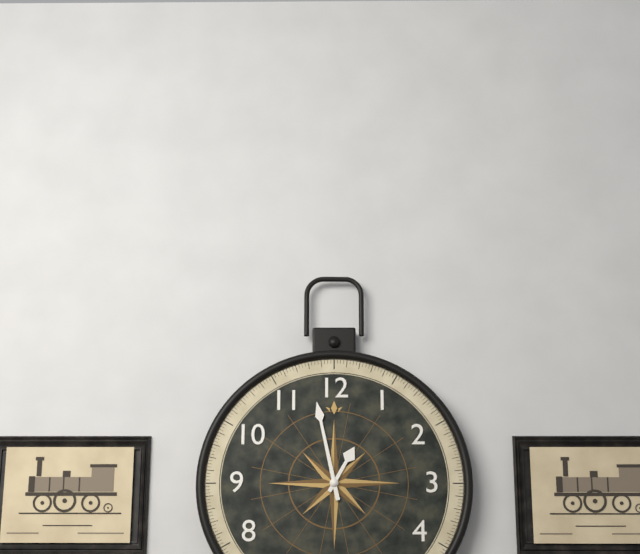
12:58
